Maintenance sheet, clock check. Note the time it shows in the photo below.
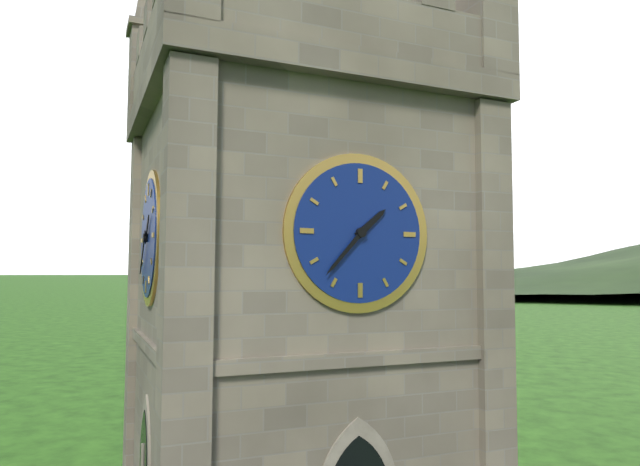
1:37
